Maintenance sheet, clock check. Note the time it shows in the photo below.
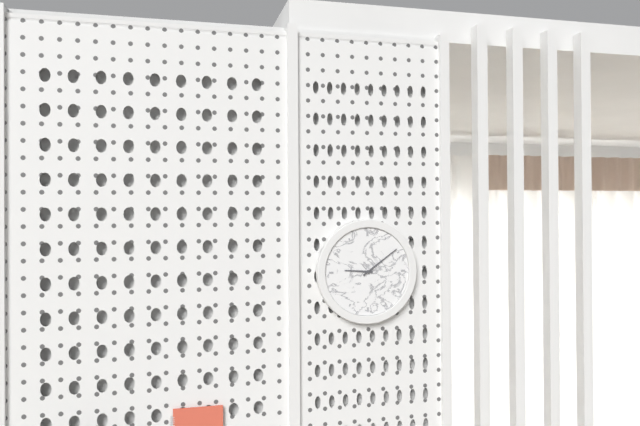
9:09
